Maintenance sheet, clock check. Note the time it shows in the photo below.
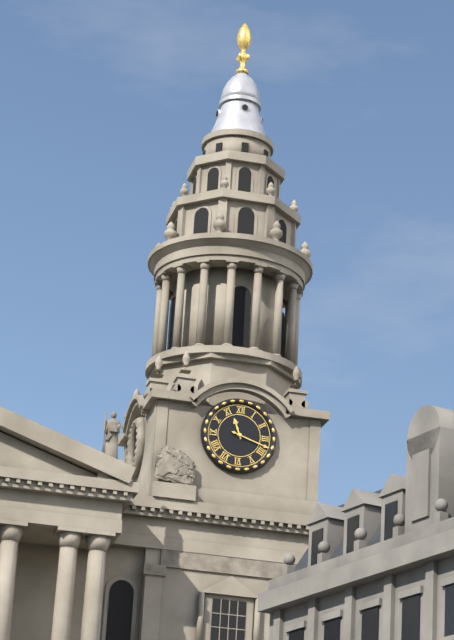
11:18
